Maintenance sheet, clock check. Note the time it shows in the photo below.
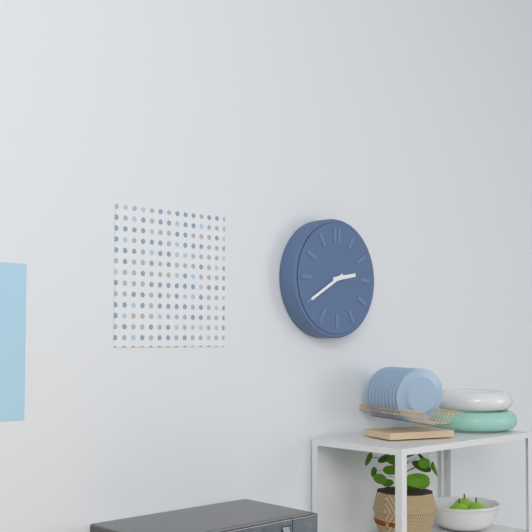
2:40
